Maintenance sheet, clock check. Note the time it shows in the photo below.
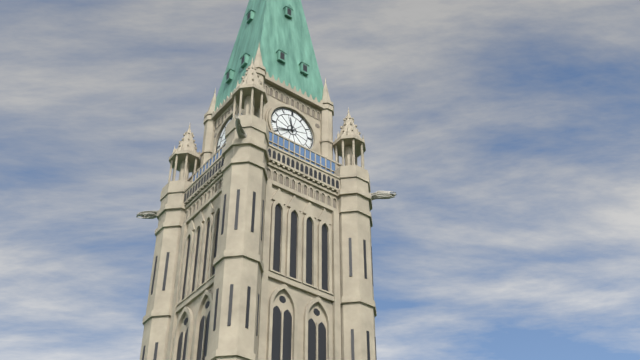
11:41
